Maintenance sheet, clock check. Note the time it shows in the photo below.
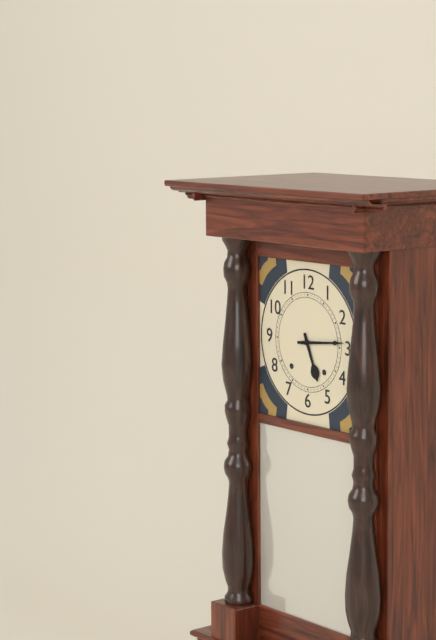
5:14
